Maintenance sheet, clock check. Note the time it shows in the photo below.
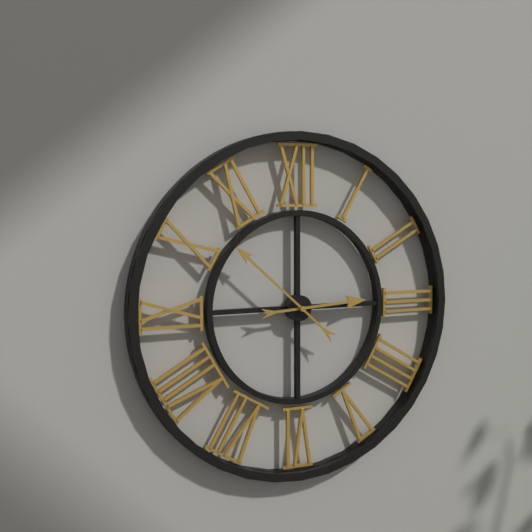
2:52
